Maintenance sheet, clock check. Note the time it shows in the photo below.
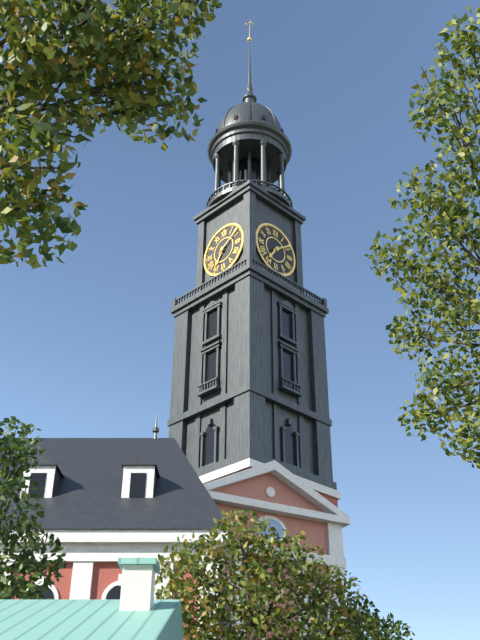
7:09
